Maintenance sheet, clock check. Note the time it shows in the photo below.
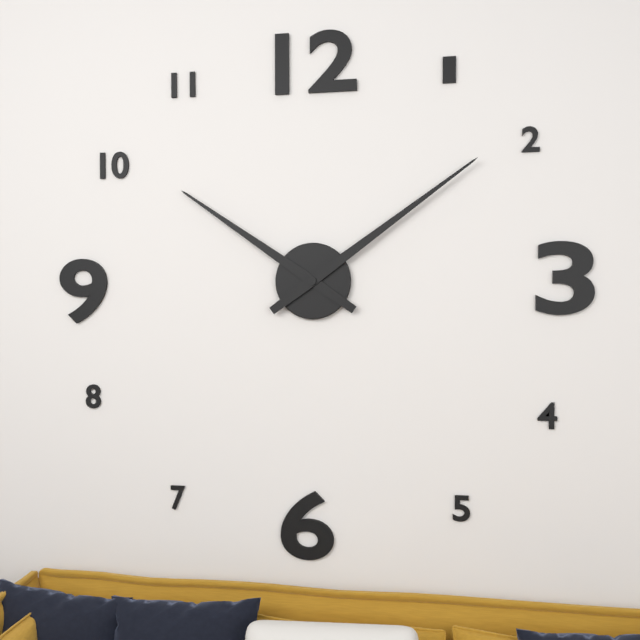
10:09
